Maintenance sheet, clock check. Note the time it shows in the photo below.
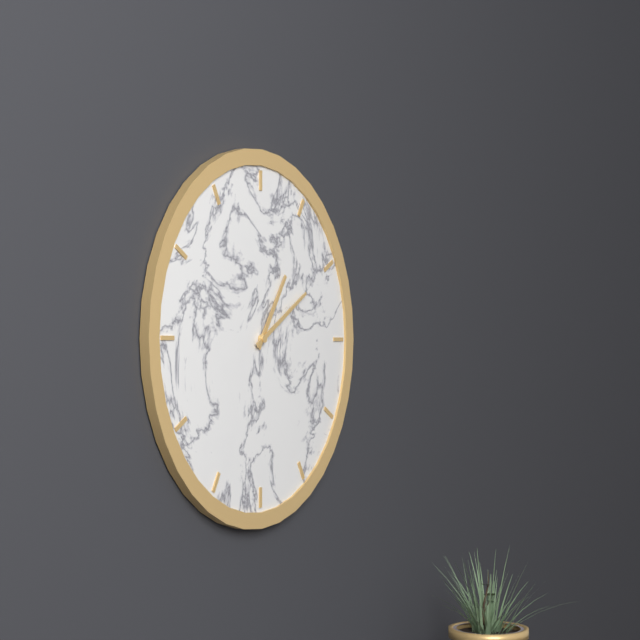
1:10
